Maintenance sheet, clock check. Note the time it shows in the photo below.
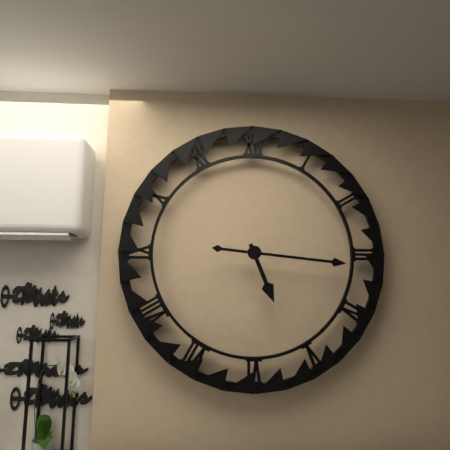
5:16
